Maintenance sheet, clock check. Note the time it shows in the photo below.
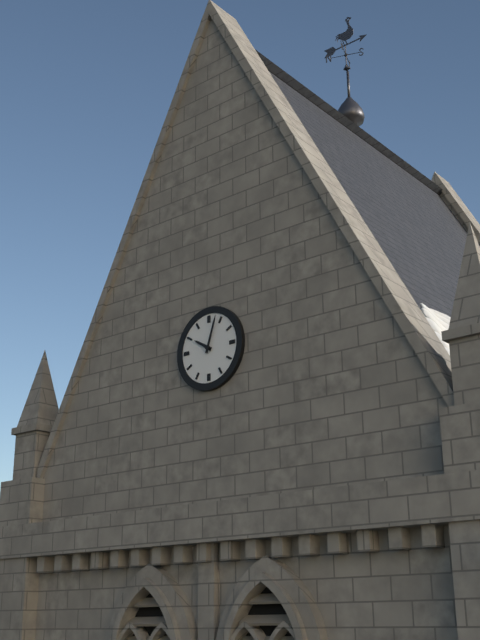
10:03
